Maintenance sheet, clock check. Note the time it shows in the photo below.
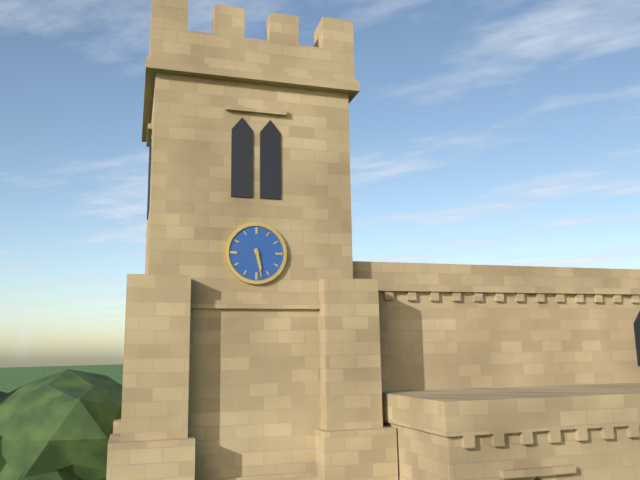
5:28
